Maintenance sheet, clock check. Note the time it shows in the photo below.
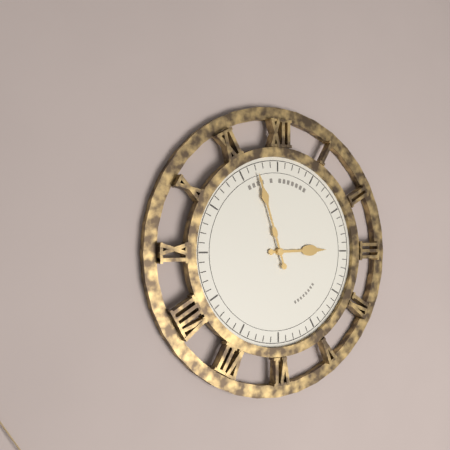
2:57
